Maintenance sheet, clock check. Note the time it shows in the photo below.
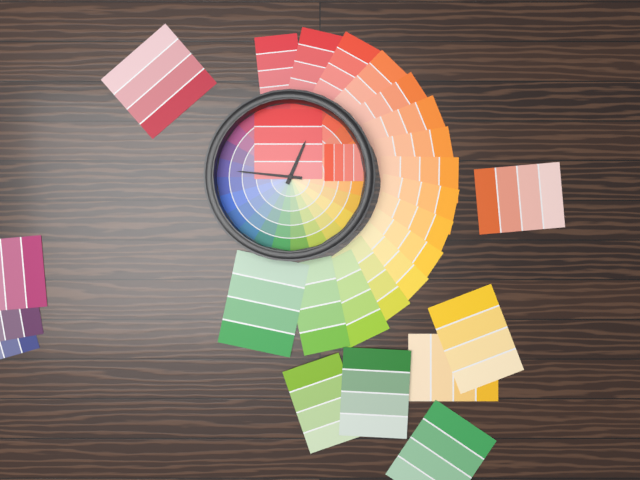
12:46
